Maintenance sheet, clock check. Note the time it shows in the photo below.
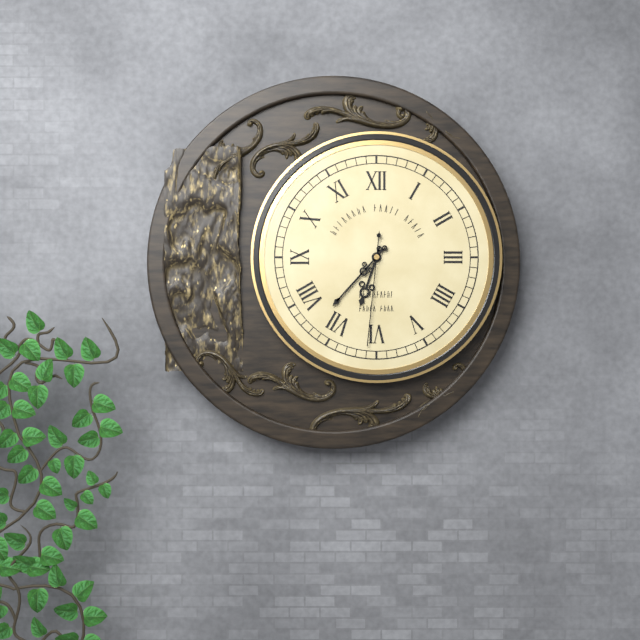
6:37:31
